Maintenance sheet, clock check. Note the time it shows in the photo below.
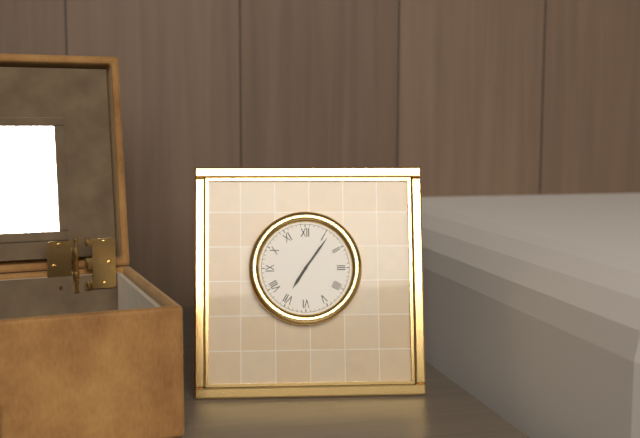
7:06
